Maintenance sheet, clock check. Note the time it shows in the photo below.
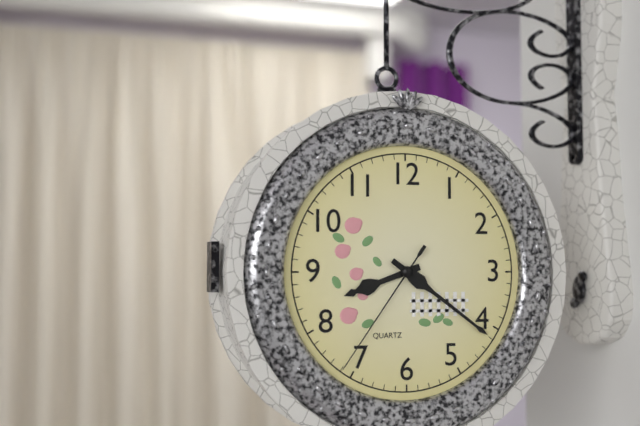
8:21:36
